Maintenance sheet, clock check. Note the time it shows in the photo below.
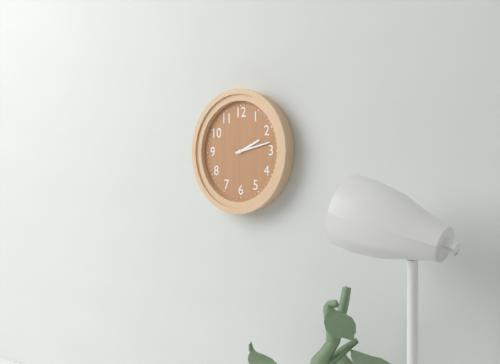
2:13
